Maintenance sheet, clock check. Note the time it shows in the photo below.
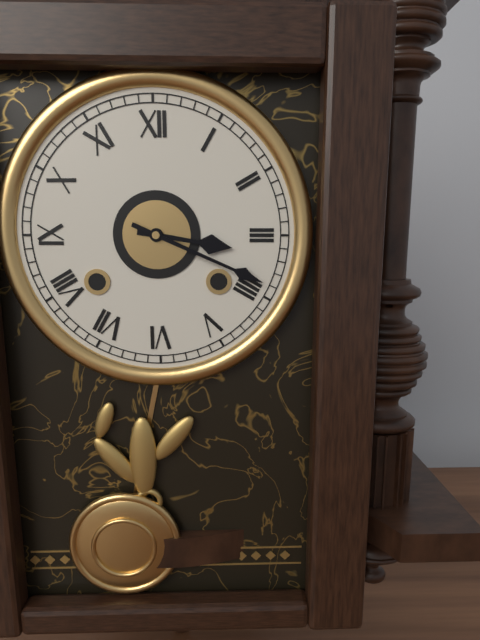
3:19
